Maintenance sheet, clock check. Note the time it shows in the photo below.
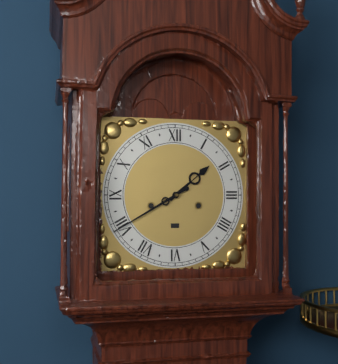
1:40
